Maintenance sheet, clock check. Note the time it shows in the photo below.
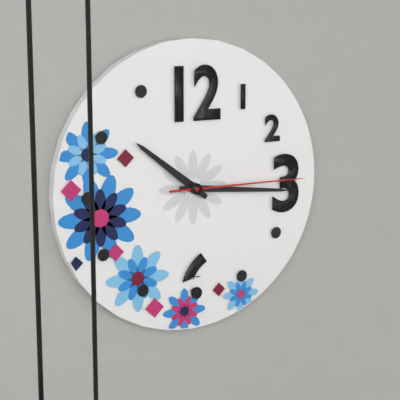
10:16:15
